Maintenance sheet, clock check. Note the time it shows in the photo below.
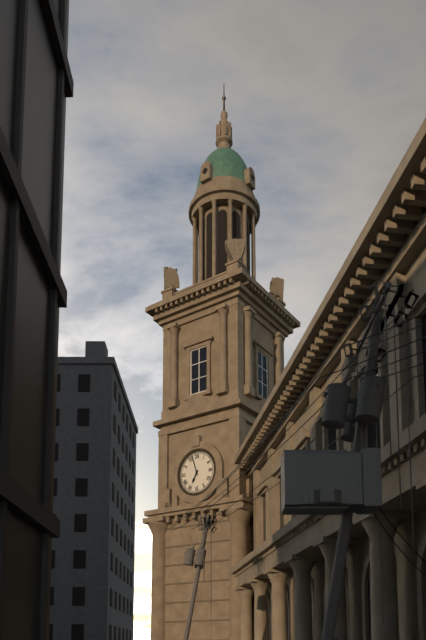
6:57
